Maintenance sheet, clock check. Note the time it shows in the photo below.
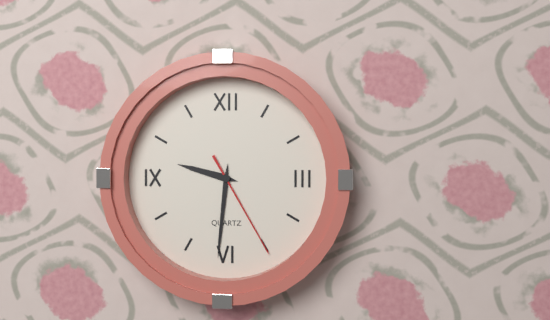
9:31:25
